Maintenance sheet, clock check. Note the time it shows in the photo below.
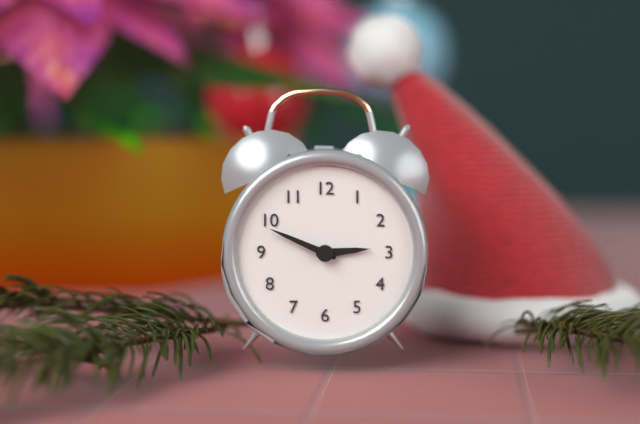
2:49
